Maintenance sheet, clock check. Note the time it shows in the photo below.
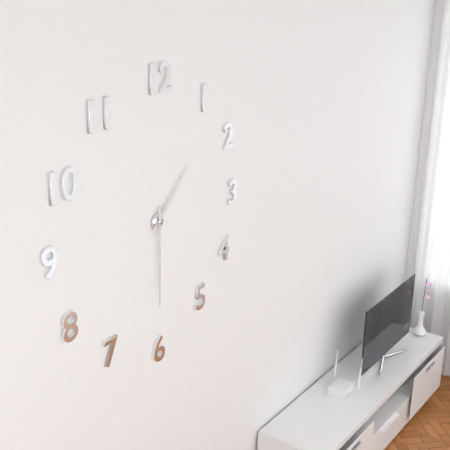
1:30
